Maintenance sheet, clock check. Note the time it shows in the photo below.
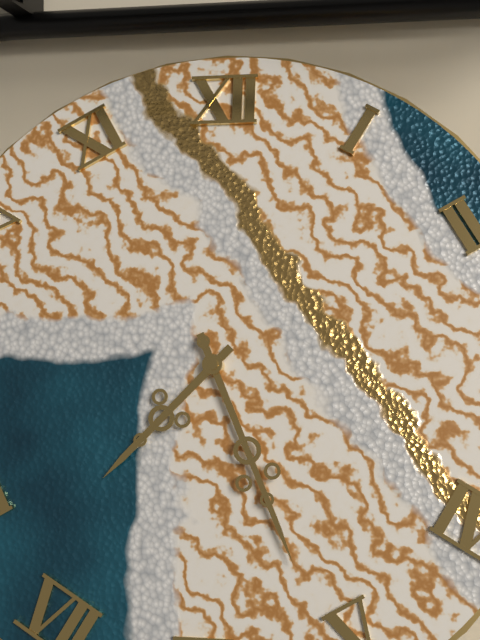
7:26
